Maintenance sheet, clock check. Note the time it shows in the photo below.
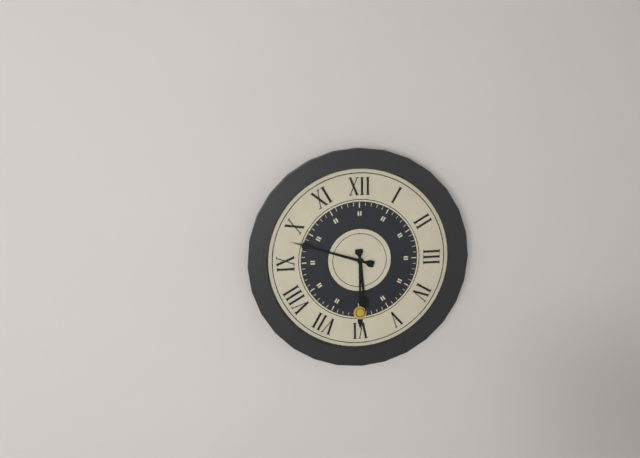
5:48
